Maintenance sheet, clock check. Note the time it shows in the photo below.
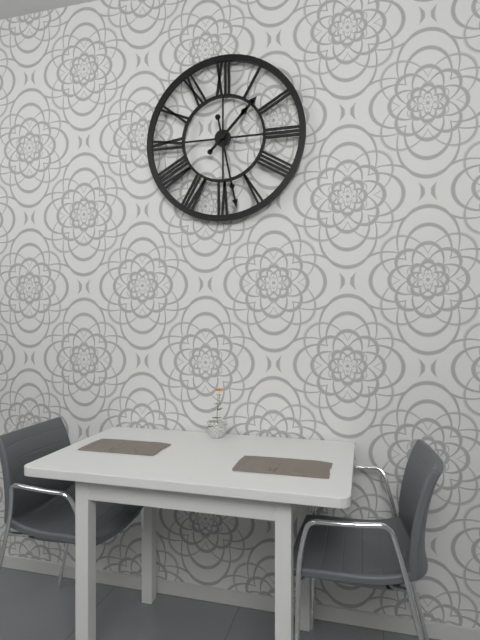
1:28
